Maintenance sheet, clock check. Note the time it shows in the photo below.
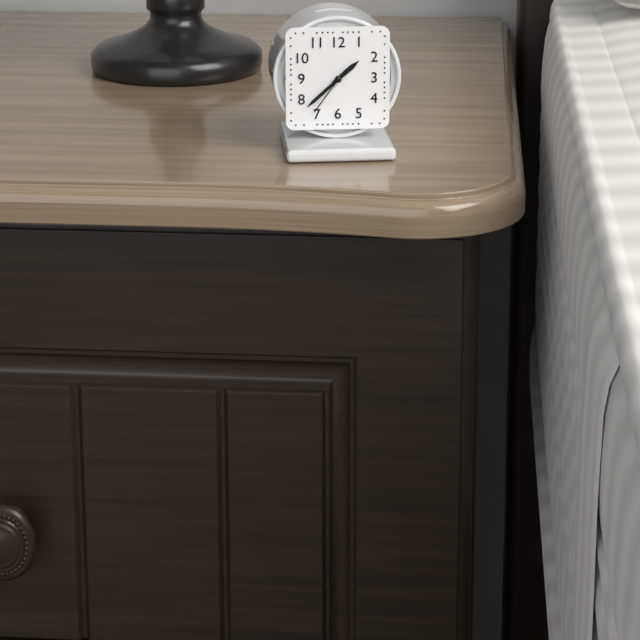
1:38:36
